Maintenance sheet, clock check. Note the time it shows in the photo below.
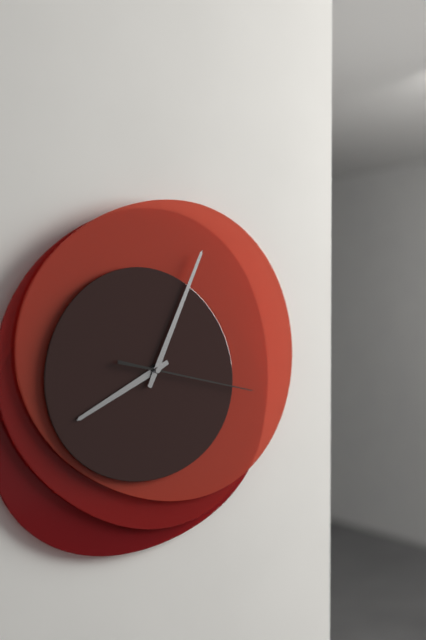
8:04:17
